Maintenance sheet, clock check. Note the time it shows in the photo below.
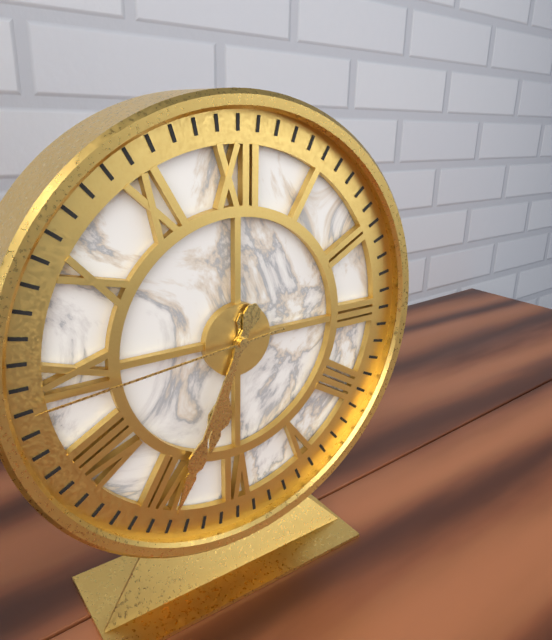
6:34:44
